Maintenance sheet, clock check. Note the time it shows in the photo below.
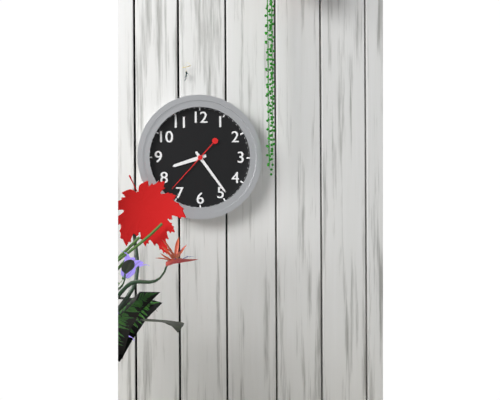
8:24:37
